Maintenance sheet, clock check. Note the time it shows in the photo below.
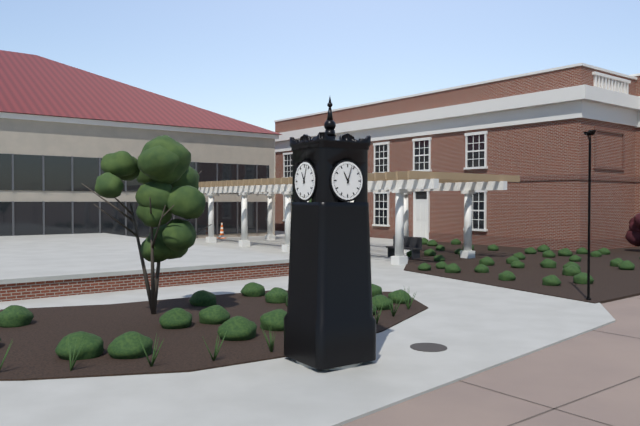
11:03
